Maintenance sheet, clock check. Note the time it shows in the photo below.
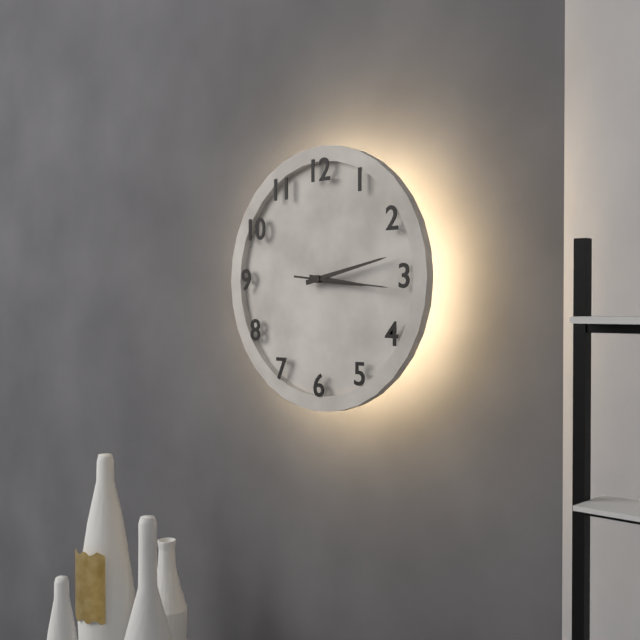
3:13:16
